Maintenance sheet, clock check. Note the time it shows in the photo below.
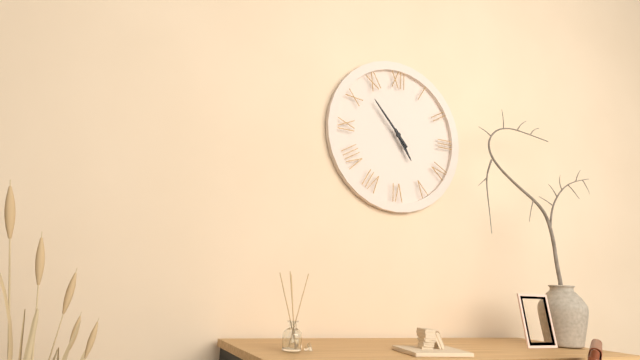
4:53
